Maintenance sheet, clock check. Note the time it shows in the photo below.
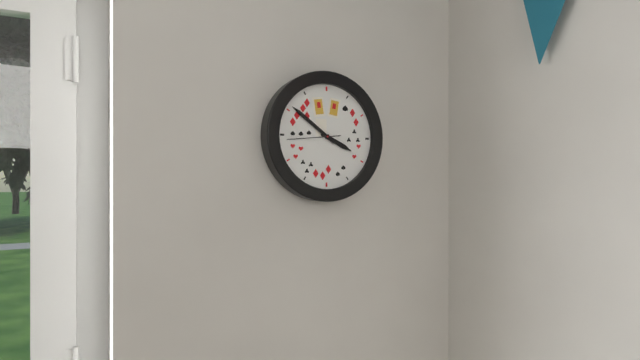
3:51
